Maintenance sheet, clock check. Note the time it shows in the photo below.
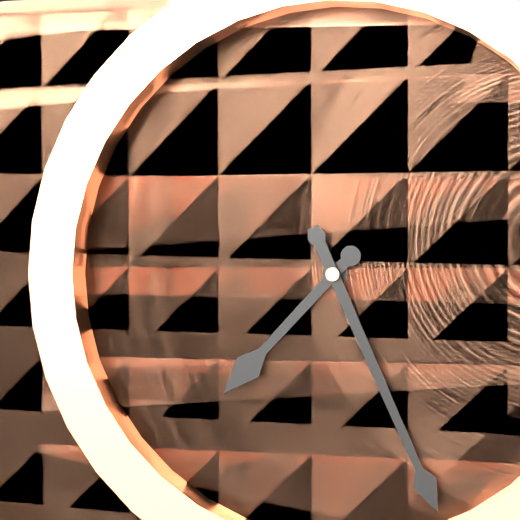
7:26
